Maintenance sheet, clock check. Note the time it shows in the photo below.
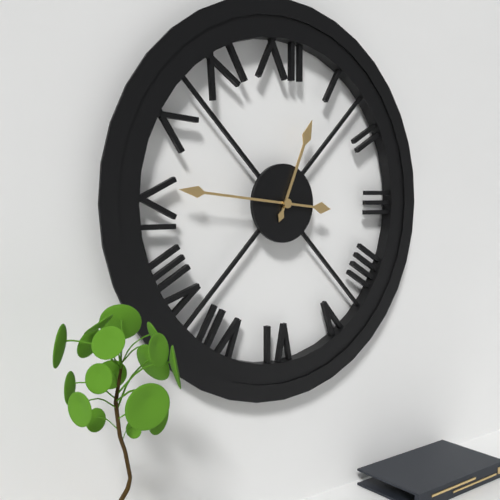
12:46
